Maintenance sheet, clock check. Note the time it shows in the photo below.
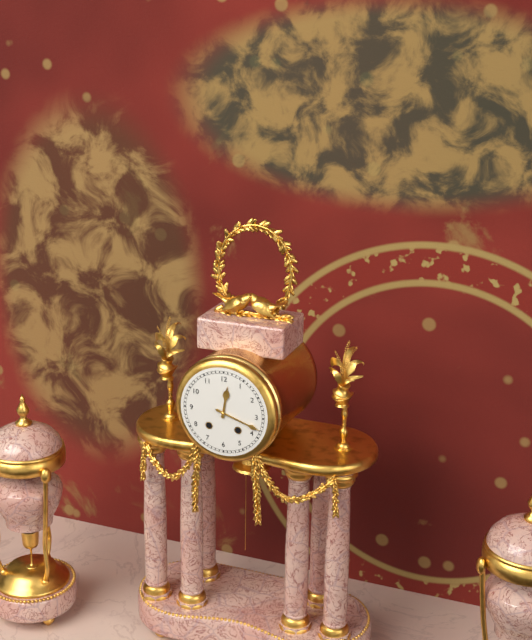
12:18
